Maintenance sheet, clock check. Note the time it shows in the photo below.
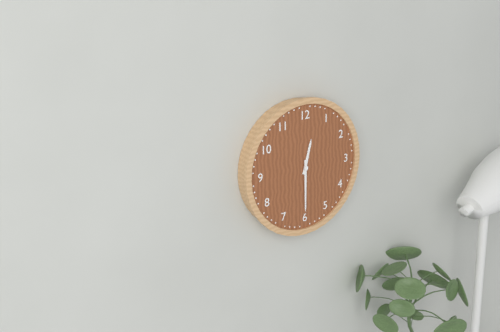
12:30
